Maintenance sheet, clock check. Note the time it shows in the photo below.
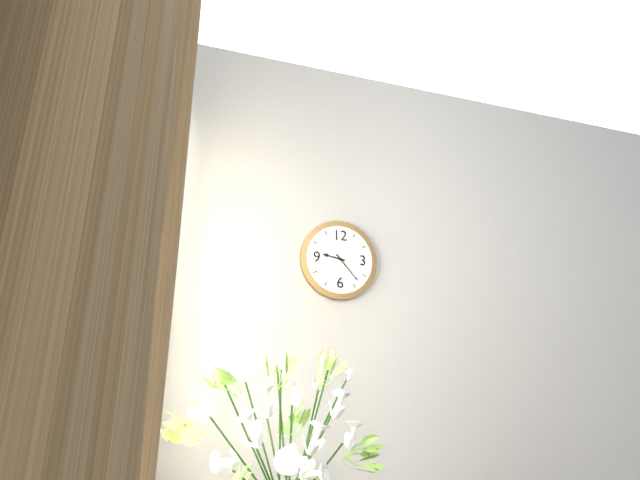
9:23
